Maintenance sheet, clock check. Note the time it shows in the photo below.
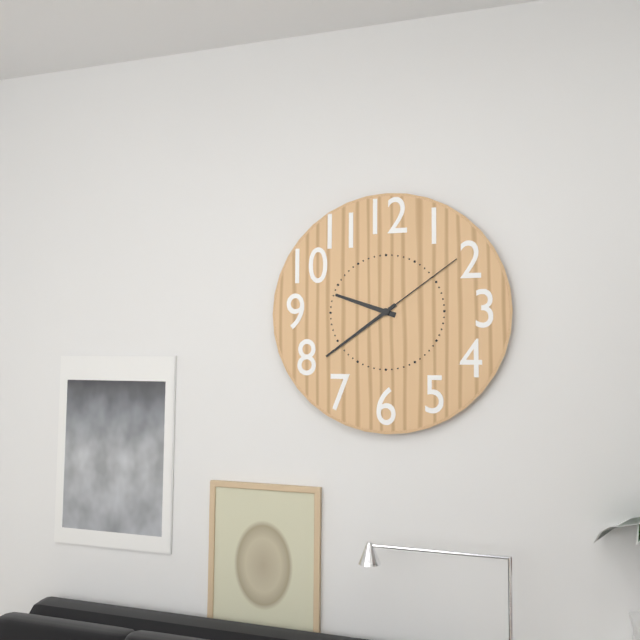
9:39:09
